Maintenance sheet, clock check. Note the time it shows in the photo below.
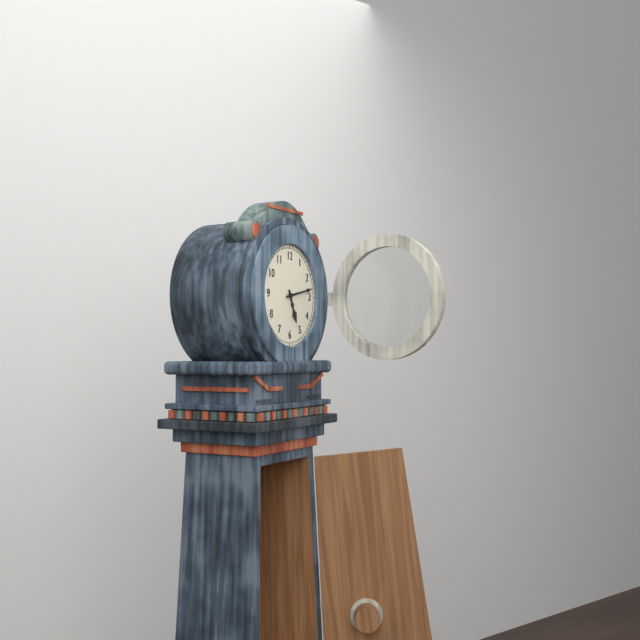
5:13
